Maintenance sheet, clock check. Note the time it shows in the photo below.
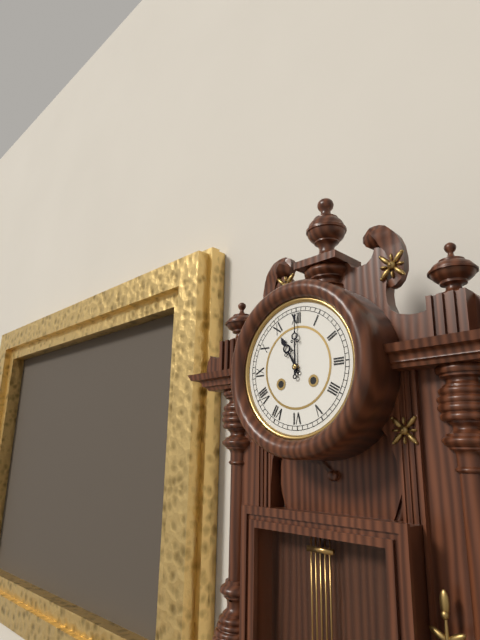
11:00
